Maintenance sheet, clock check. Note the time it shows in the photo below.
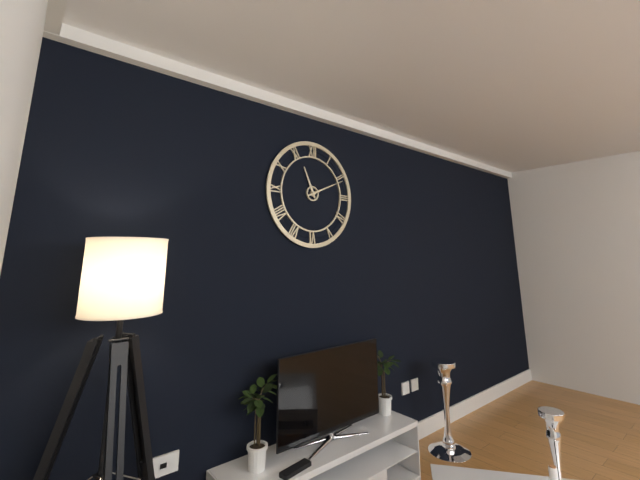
11:11
